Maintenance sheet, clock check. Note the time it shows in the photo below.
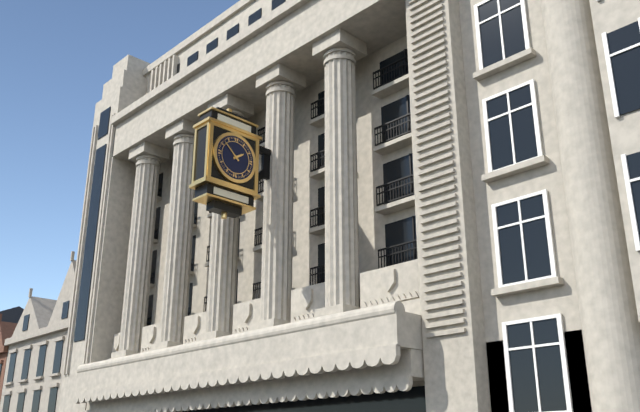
1:52
